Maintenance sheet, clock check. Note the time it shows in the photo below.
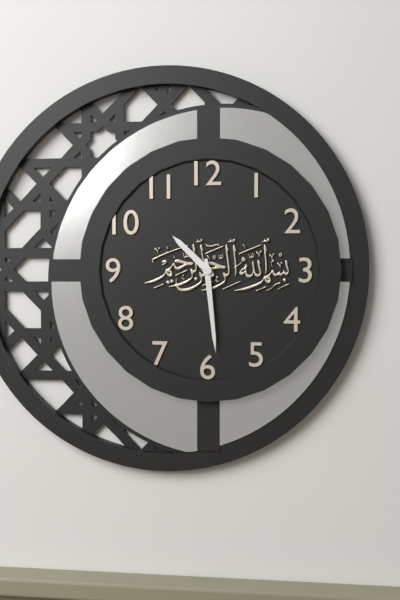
10:29
